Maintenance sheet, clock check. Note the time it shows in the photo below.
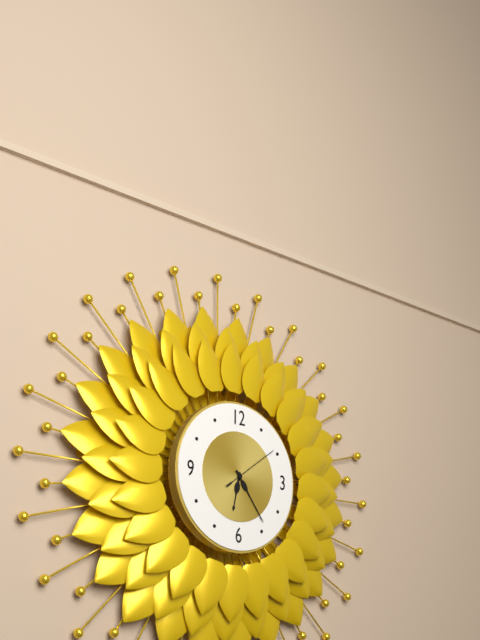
6:24:09
